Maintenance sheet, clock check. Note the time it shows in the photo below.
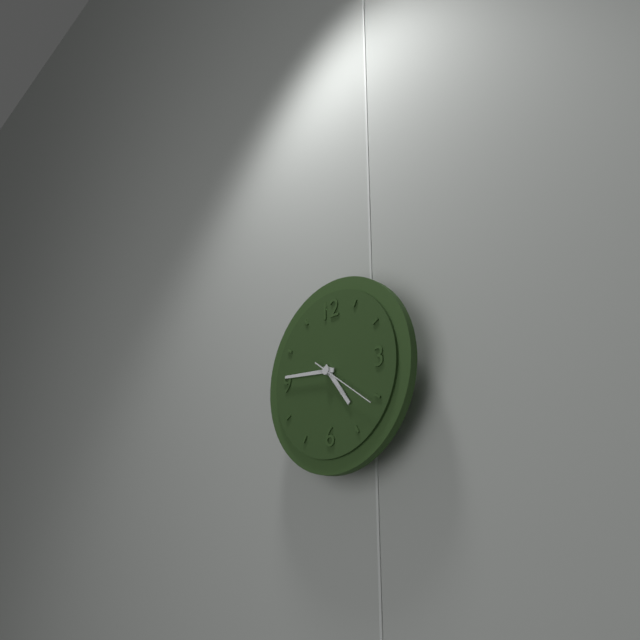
4:46:21
